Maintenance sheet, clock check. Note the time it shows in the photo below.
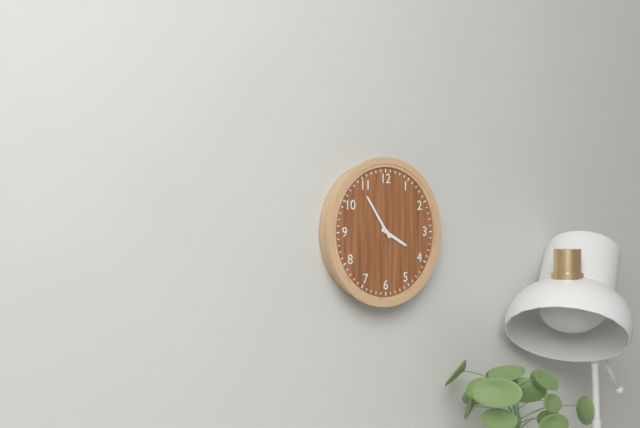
3:54
